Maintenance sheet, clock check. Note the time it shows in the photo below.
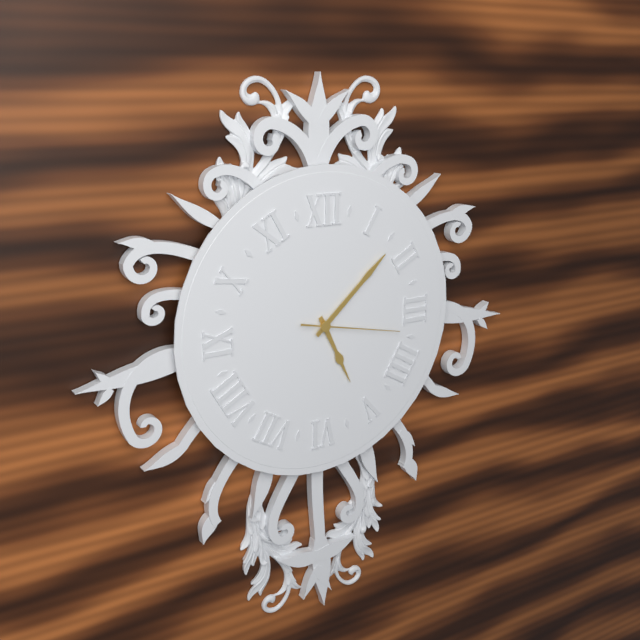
5:08:17
